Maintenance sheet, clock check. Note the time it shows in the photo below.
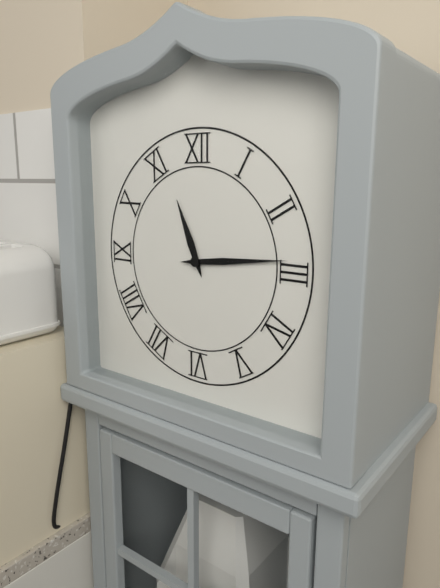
11:14
